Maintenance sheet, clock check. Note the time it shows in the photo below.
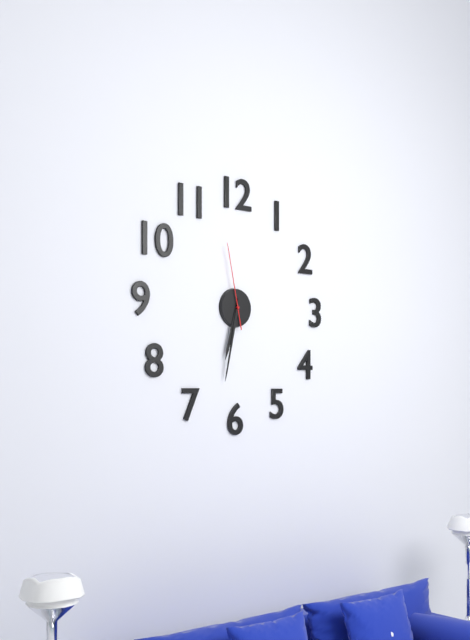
6:32:58
